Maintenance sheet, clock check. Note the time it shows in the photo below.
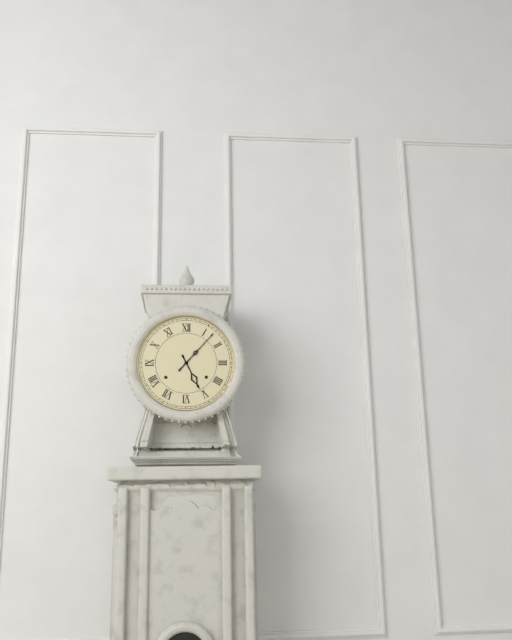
5:07
